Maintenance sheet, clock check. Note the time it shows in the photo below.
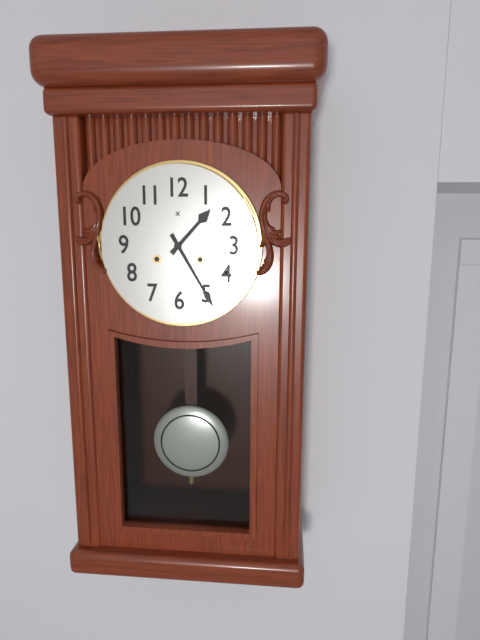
1:25
